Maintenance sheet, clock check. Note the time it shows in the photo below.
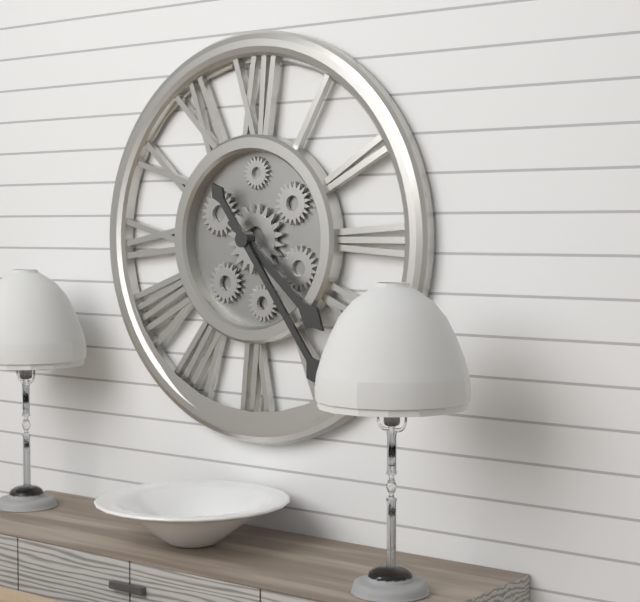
4:24
